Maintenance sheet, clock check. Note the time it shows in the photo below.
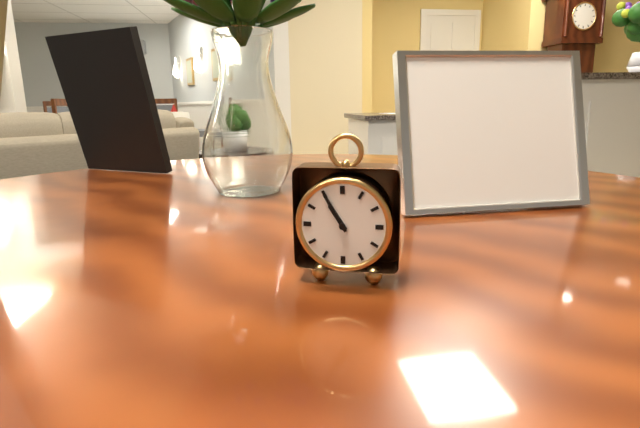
10:55
